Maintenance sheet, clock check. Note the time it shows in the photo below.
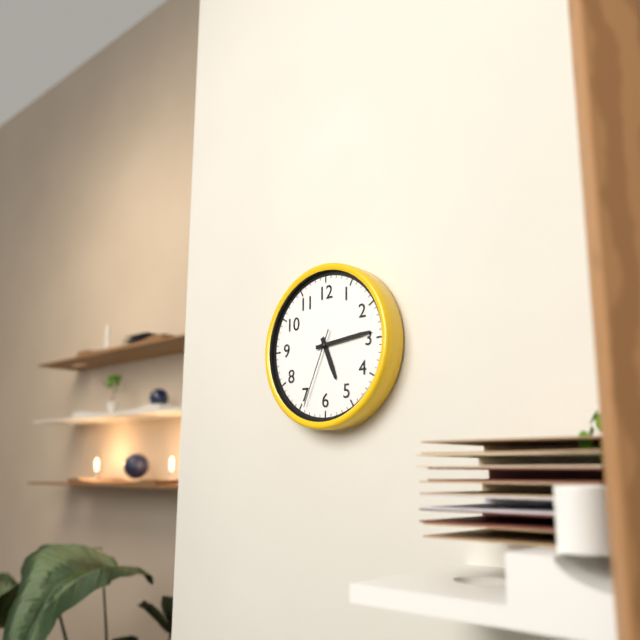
5:14:34
